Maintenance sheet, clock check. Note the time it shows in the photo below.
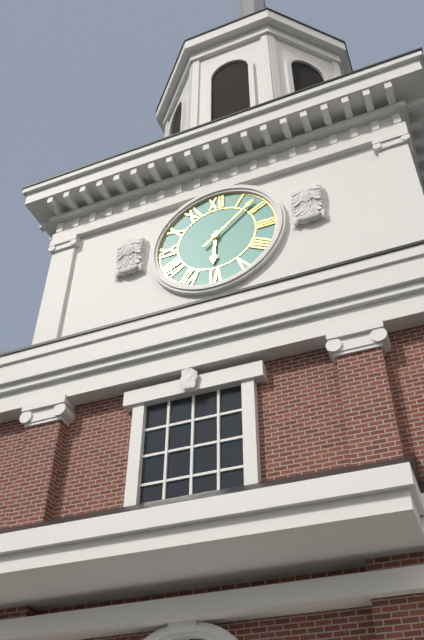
6:08
